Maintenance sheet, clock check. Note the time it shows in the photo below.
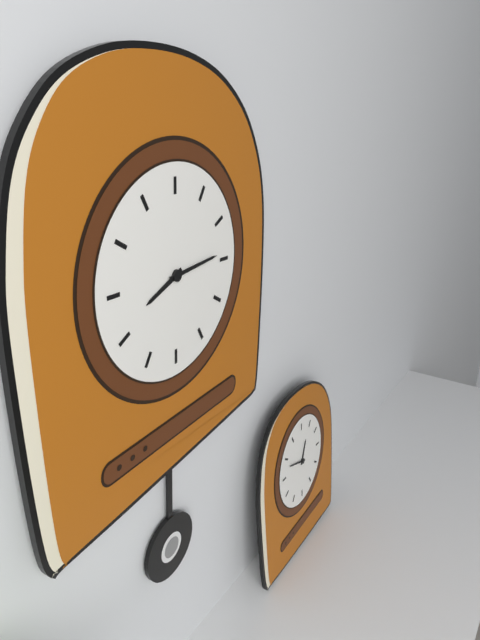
8:14
